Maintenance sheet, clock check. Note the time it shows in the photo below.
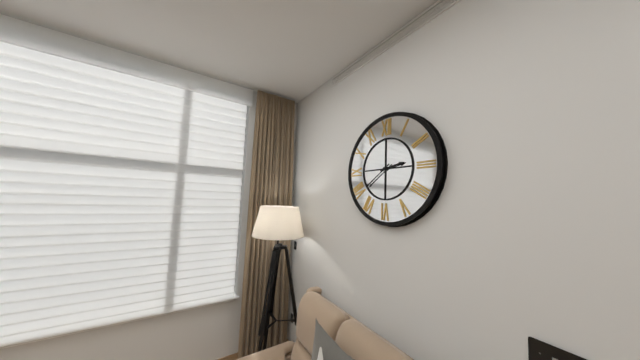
2:39
